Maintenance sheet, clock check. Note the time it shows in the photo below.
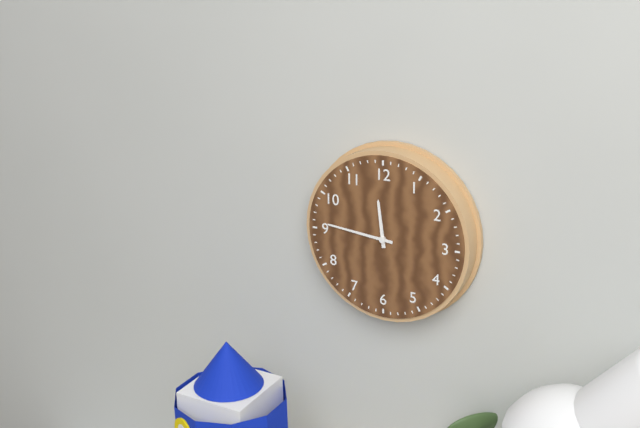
11:46
